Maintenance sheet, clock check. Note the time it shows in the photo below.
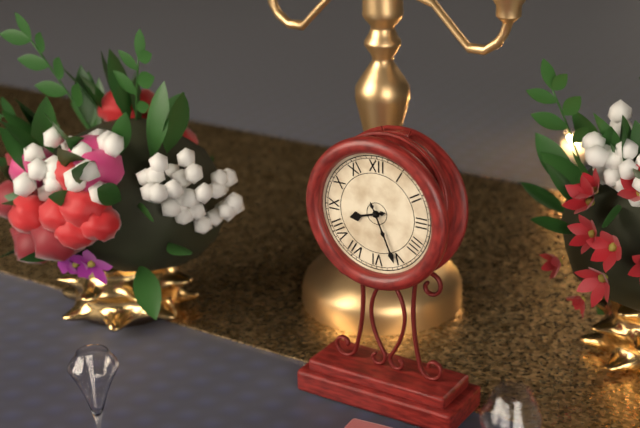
8:26
